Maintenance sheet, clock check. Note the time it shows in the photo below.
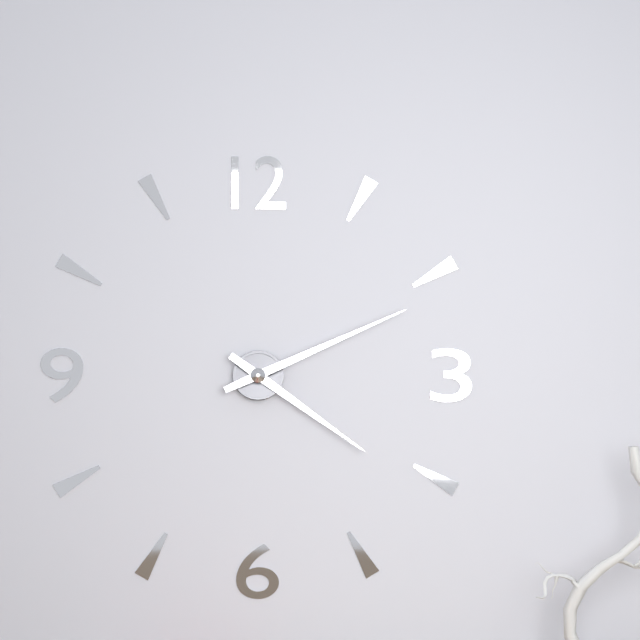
4:11
